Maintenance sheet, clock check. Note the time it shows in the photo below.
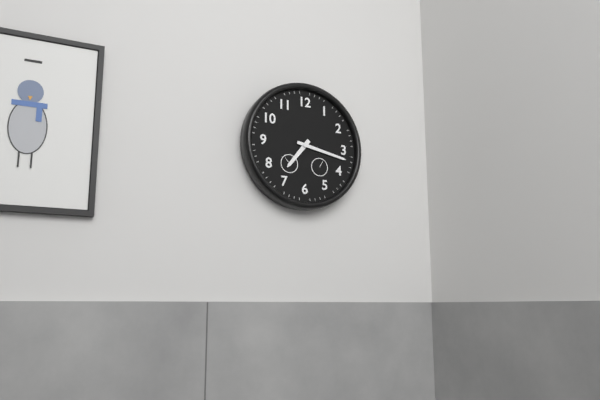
7:17
